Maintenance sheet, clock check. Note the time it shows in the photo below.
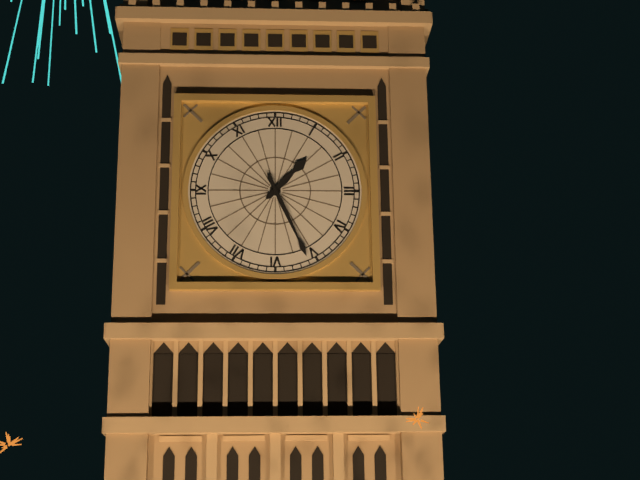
1:26
